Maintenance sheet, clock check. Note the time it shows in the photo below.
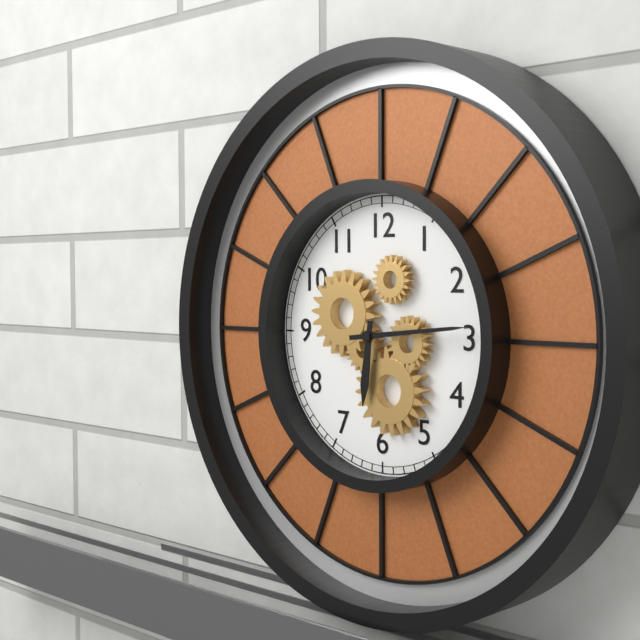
6:14
